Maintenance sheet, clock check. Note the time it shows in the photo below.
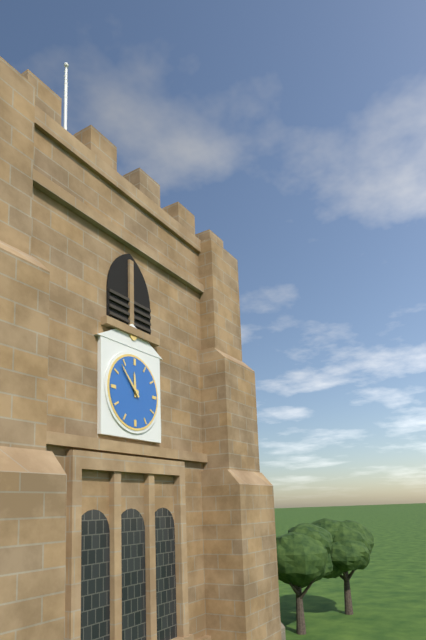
11:53
